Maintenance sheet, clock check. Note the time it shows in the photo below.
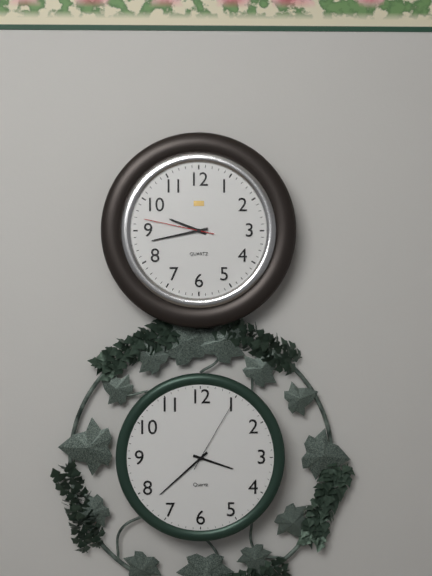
9:43:47
